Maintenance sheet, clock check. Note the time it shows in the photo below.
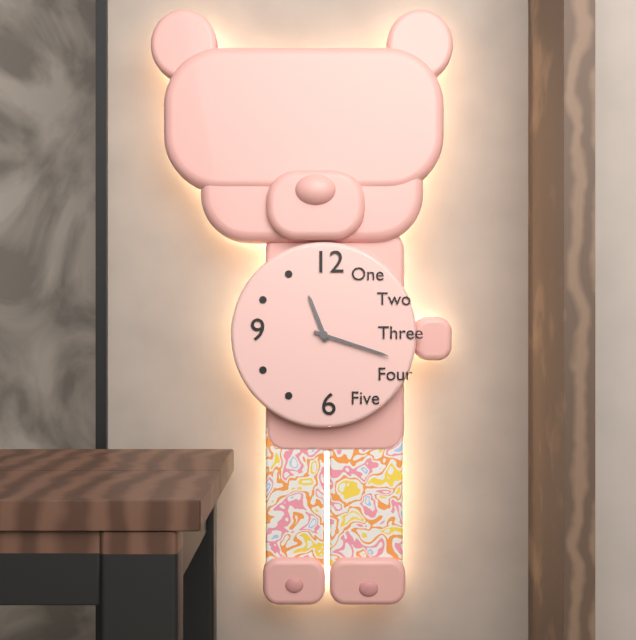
11:18
